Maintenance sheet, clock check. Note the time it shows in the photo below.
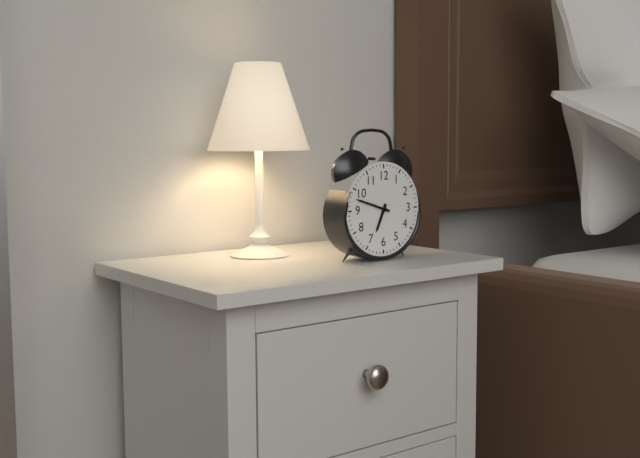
6:48
